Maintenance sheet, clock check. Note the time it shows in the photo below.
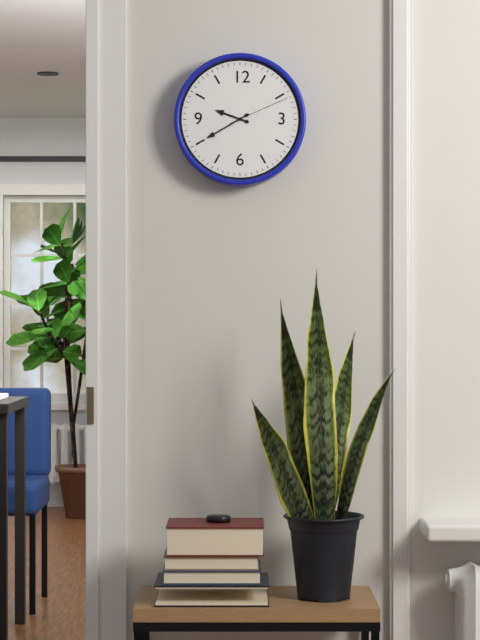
9:40:11
